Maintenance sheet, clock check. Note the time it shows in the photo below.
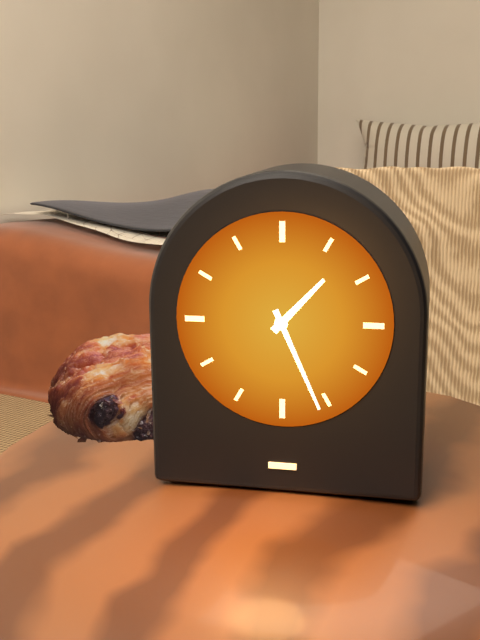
1:26
